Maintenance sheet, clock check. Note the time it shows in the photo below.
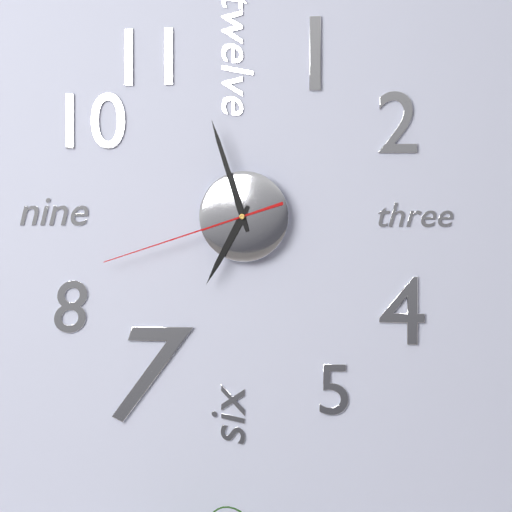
6:57:42
